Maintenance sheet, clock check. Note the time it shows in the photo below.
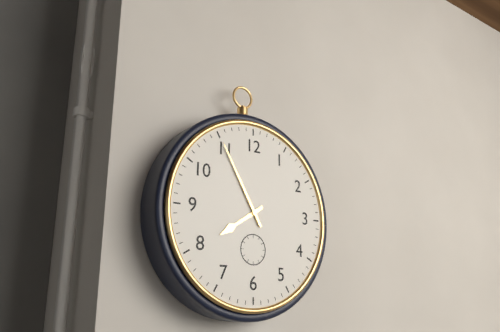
7:55
